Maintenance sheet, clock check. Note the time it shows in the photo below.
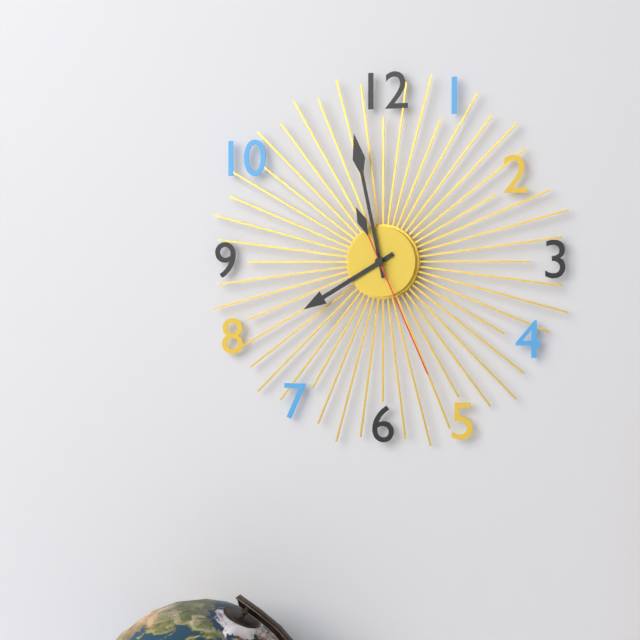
7:58:26
